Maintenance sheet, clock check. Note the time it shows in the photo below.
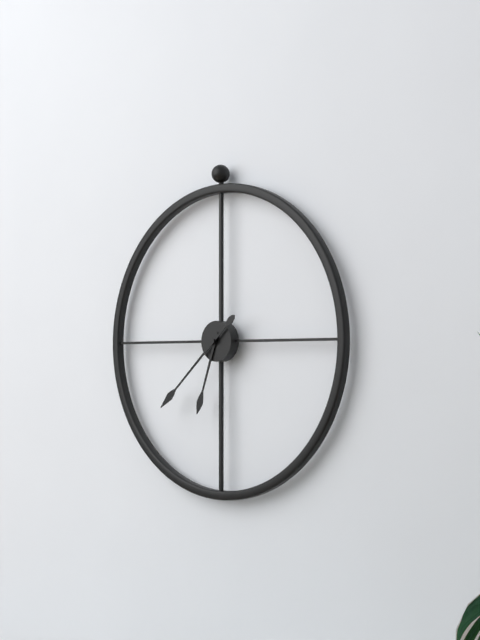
6:38
